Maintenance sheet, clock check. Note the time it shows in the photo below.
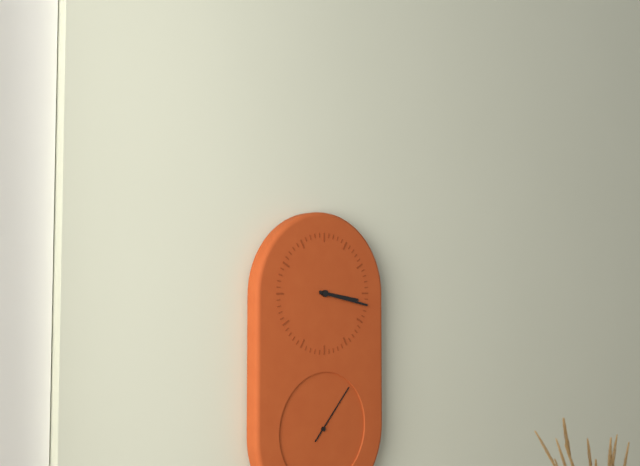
3:17:07
